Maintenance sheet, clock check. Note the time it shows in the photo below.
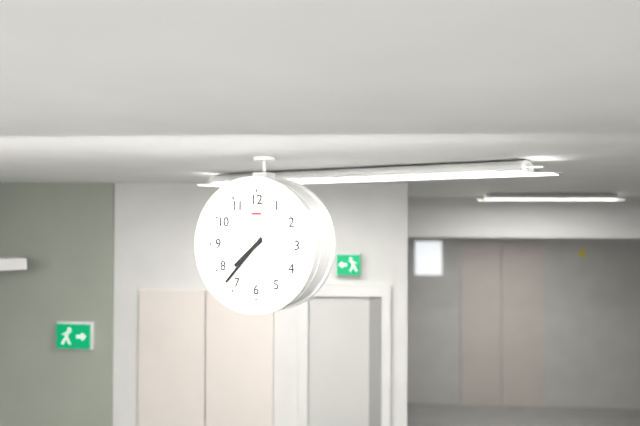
7:37
